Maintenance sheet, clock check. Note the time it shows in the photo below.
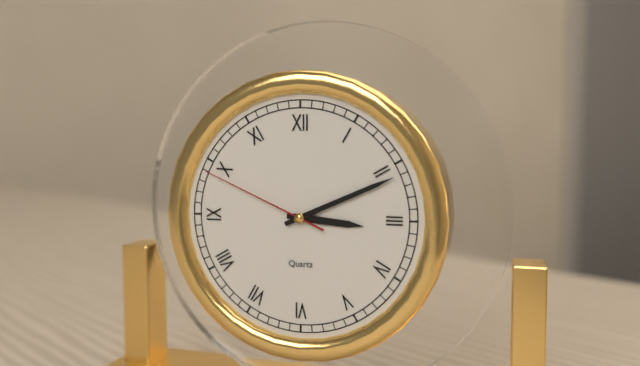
3:11:49
